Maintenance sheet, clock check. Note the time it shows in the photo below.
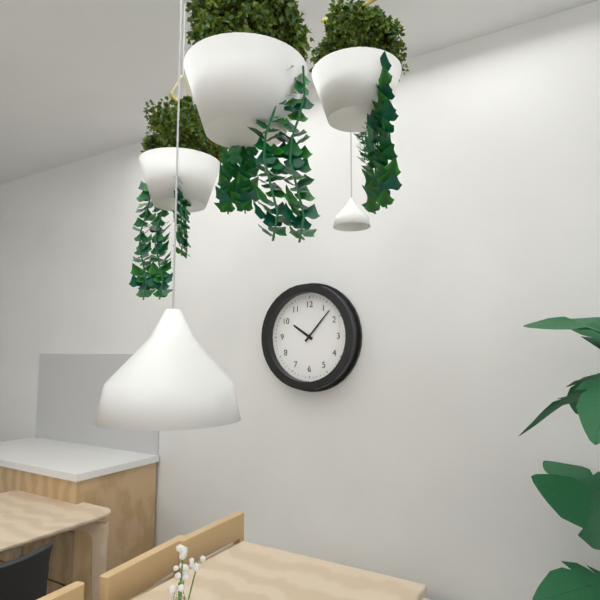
10:07
